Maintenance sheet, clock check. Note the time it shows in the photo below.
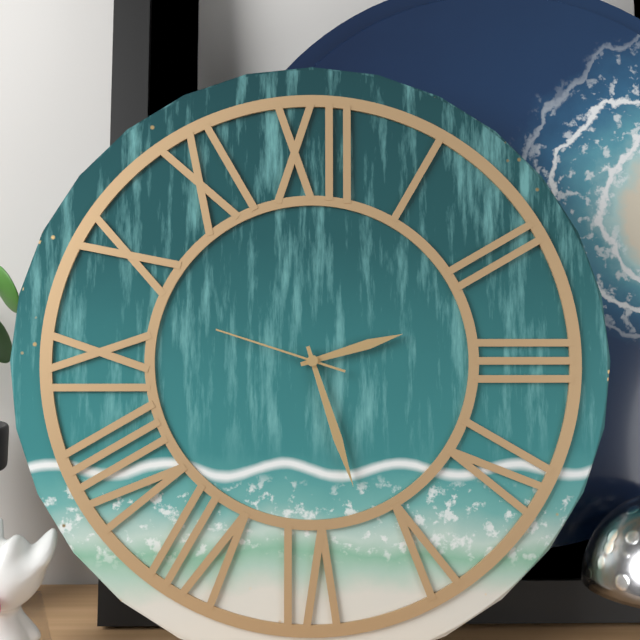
2:27:48
